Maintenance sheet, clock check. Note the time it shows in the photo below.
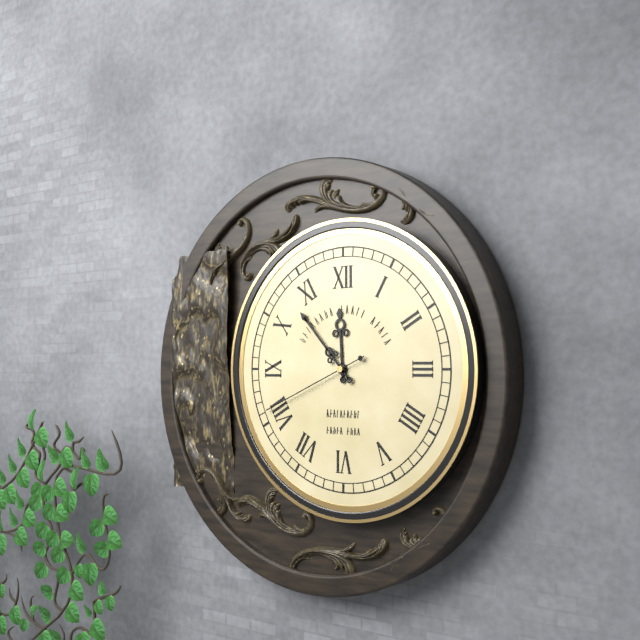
11:53:41
